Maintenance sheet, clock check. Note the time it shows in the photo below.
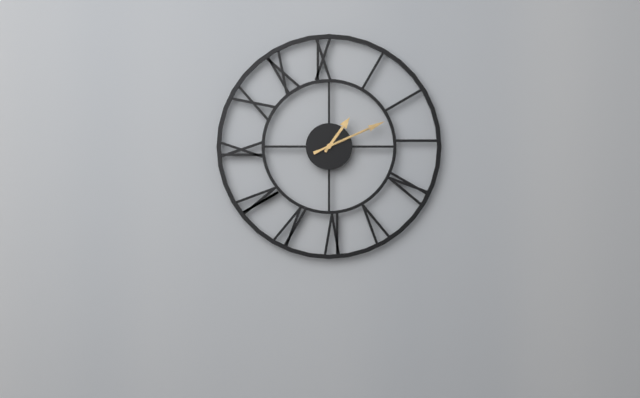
1:11:11
